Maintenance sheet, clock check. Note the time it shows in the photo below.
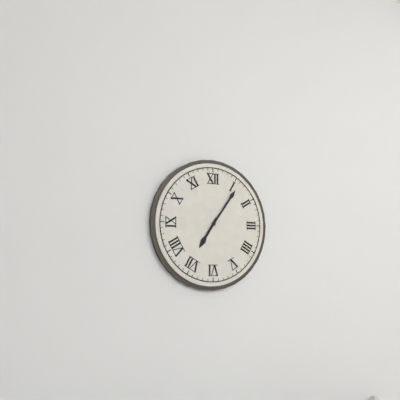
7:06
